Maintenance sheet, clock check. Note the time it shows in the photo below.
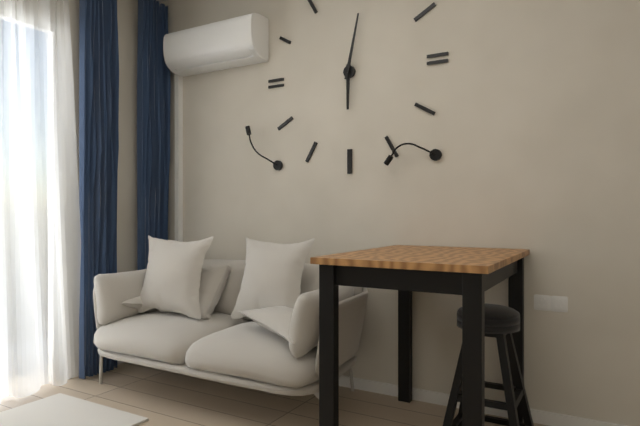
6:02
